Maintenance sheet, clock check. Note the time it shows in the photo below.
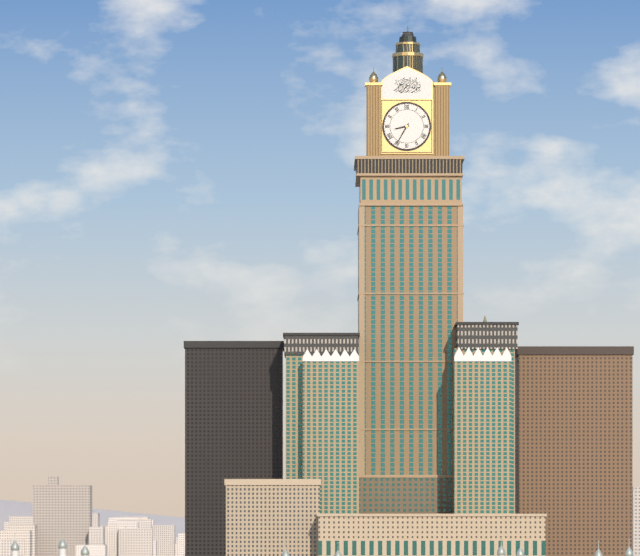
8:35
